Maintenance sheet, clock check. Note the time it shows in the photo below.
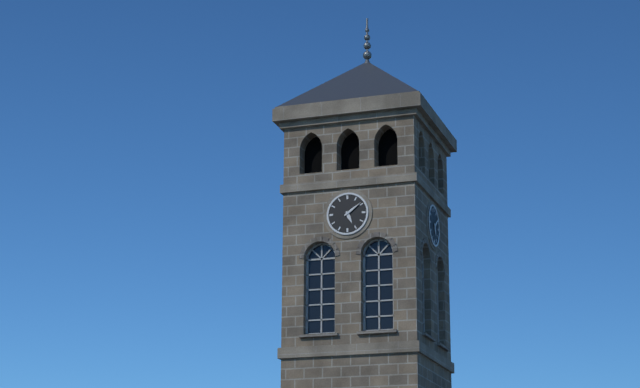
5:09
